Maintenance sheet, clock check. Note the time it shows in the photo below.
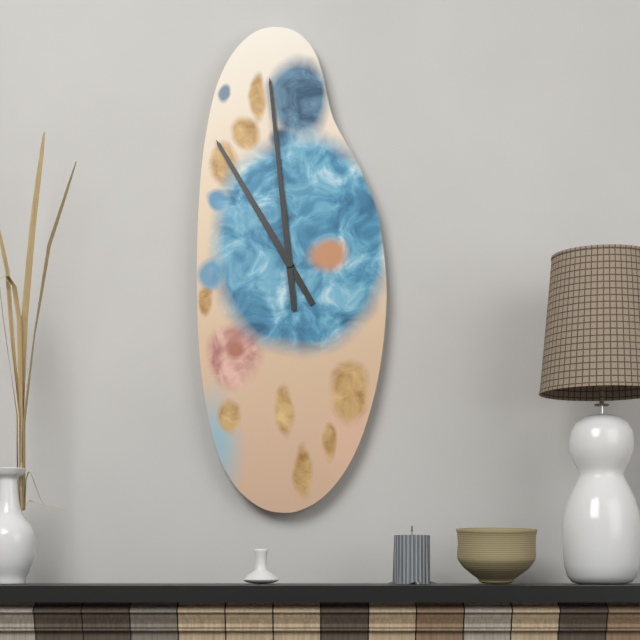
10:59
